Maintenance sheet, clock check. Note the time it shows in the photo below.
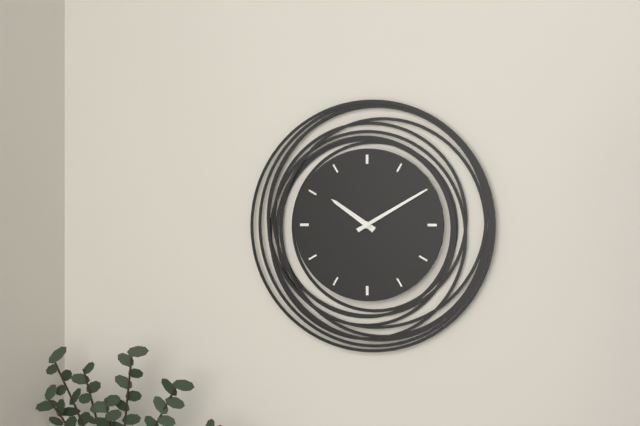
10:10
